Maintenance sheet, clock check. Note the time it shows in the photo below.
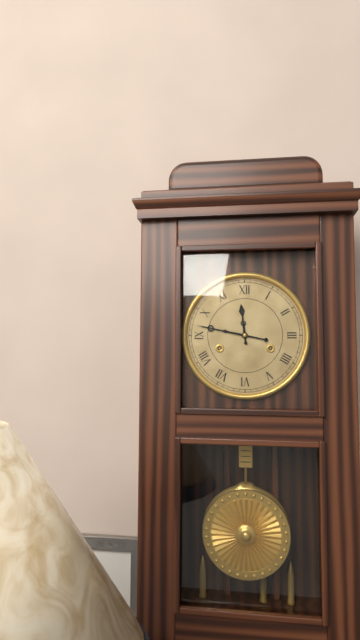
11:47
